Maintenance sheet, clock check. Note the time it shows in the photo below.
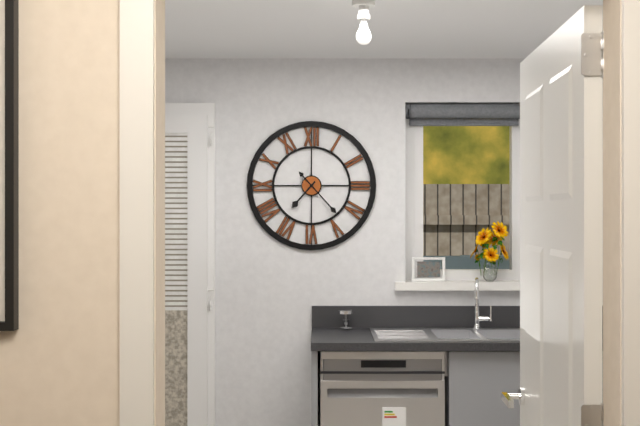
7:23
